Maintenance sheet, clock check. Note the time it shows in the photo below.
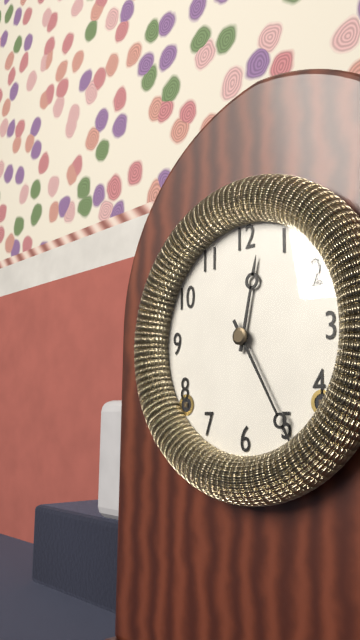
12:25
